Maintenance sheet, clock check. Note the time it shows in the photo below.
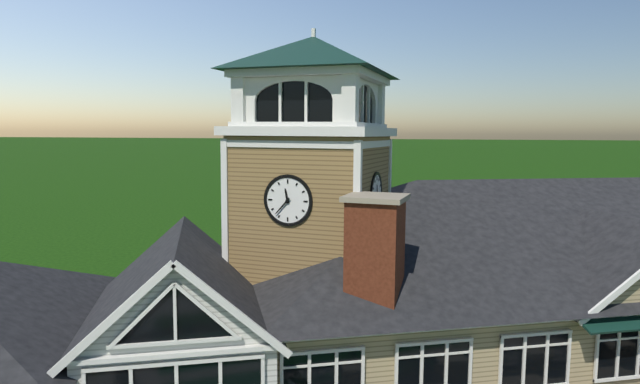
11:37
